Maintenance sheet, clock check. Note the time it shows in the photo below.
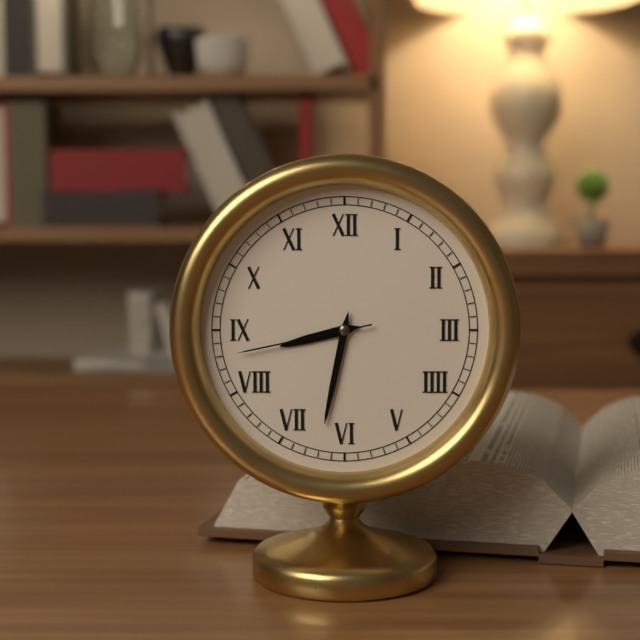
8:32:43
